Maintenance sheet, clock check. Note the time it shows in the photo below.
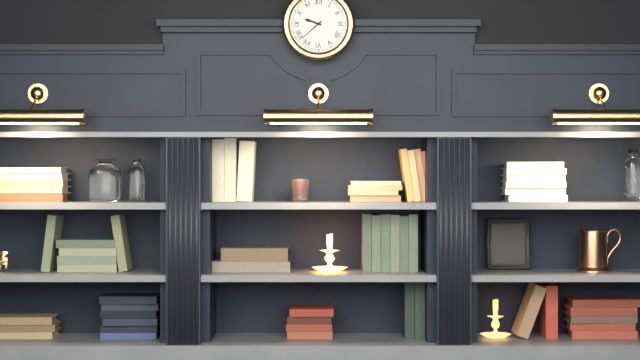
9:38
